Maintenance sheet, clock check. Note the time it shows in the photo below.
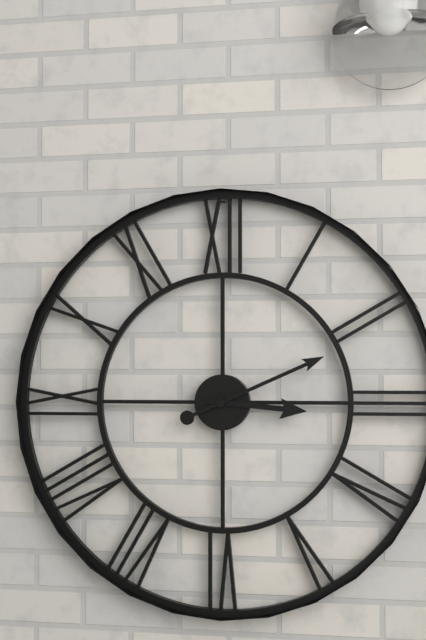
3:11
